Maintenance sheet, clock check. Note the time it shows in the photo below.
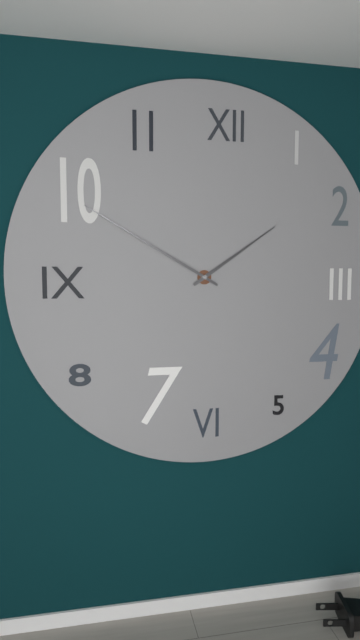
1:50
